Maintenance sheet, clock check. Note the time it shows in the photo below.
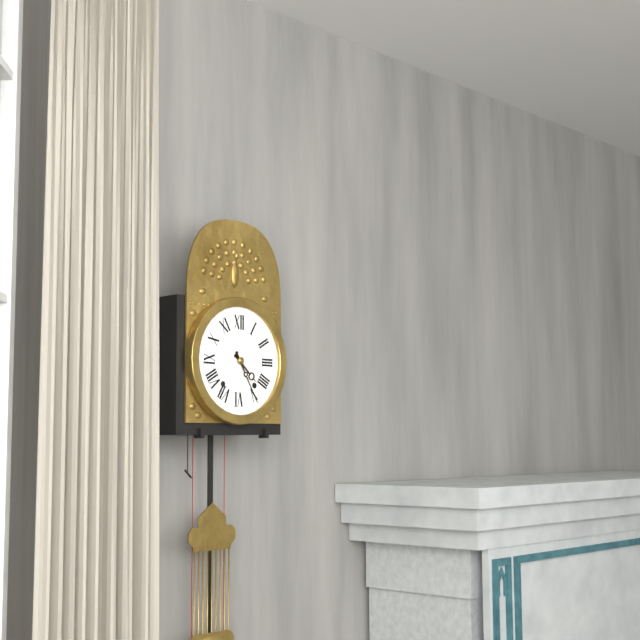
4:25
